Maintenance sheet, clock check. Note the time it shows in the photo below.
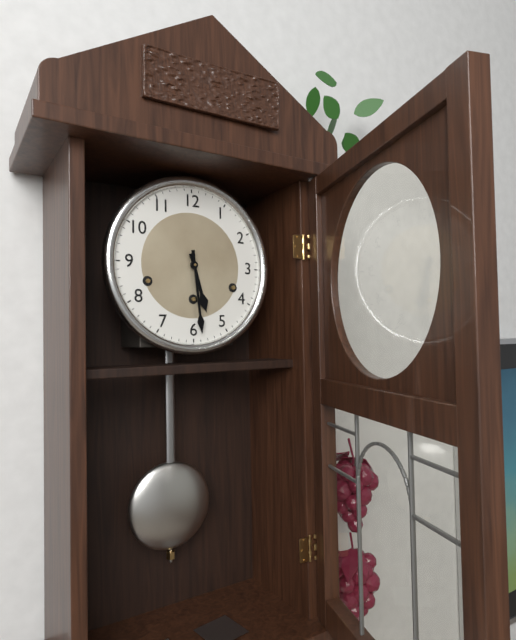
5:29
